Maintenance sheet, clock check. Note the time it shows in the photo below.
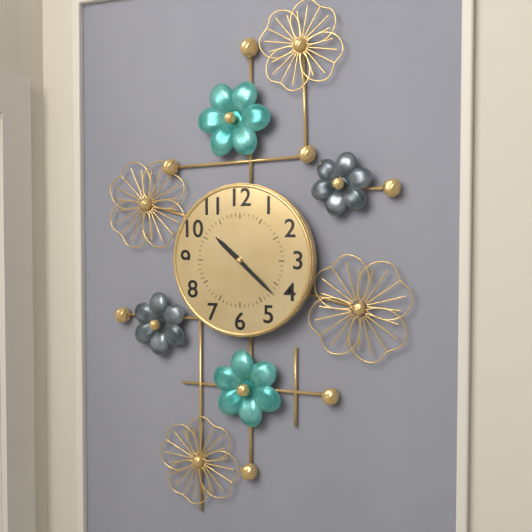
10:22
